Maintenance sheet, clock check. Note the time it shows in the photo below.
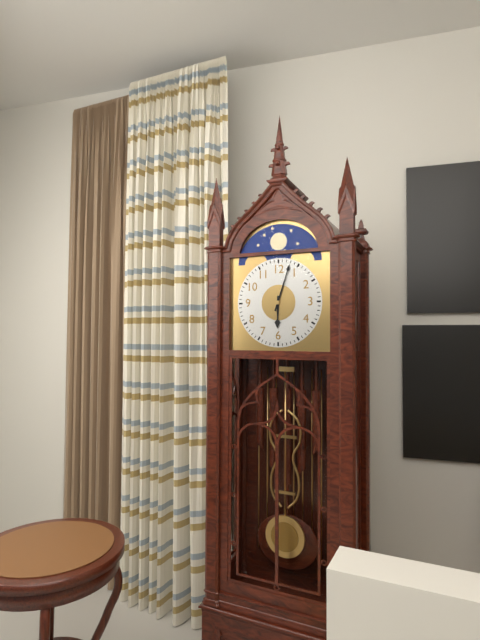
6:03
